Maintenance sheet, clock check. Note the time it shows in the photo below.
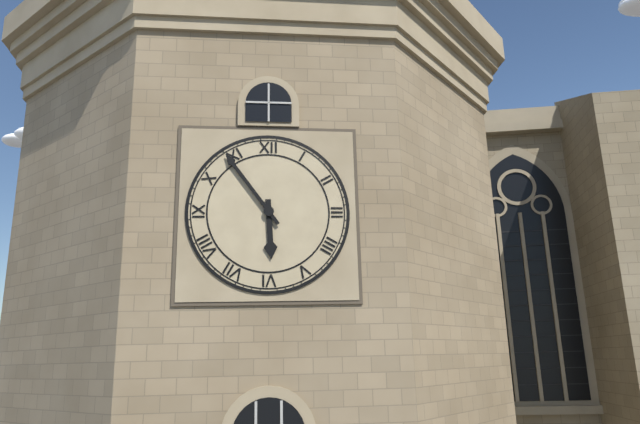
5:54
